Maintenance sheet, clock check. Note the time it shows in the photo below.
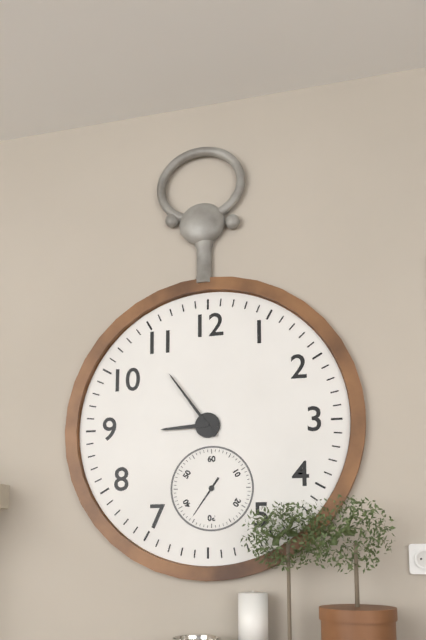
8:54
